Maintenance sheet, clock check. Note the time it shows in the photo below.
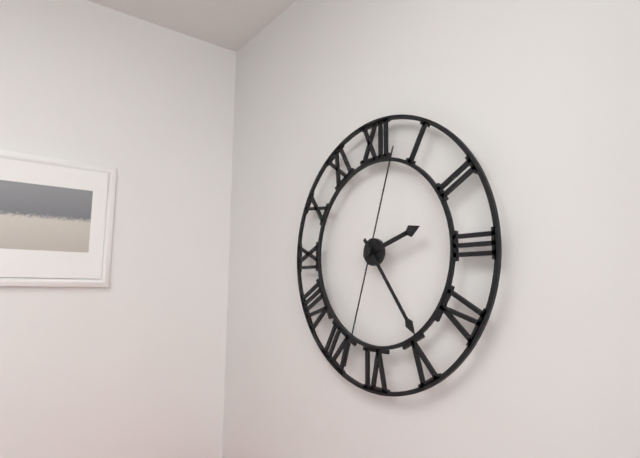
2:24:33
